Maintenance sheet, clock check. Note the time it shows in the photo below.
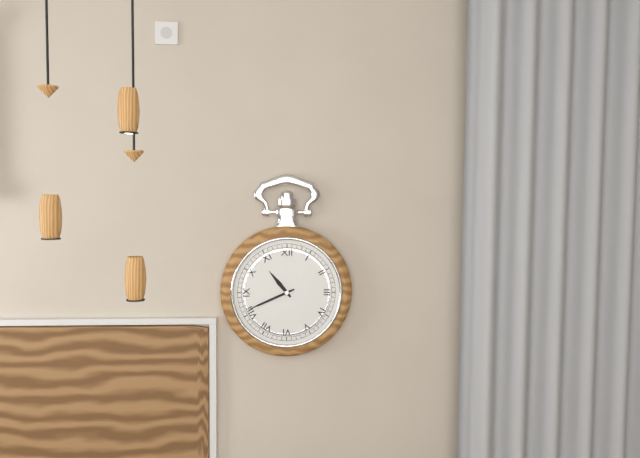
10:41
